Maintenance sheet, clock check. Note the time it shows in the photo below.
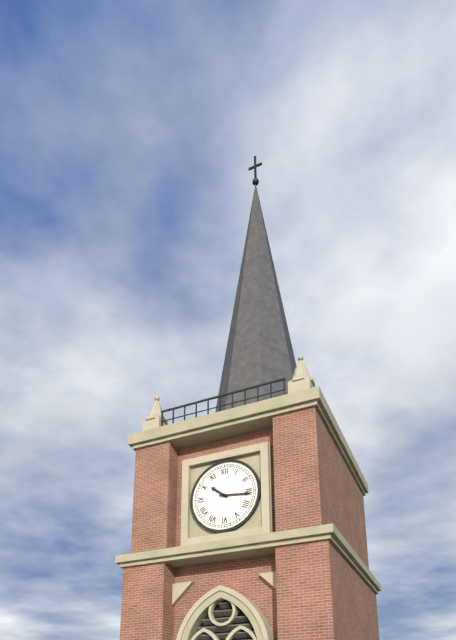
10:16
